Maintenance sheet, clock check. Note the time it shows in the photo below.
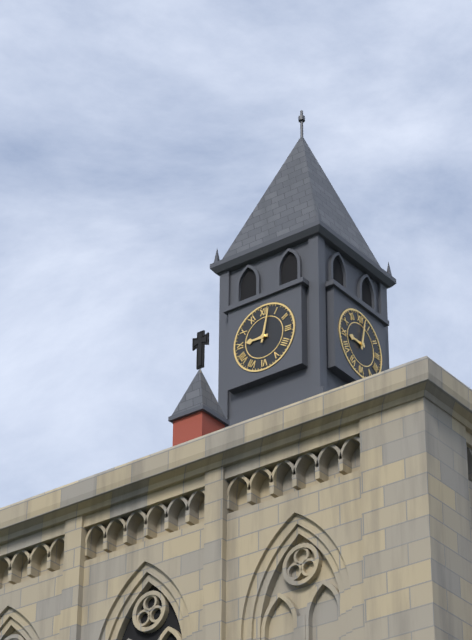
9:02
